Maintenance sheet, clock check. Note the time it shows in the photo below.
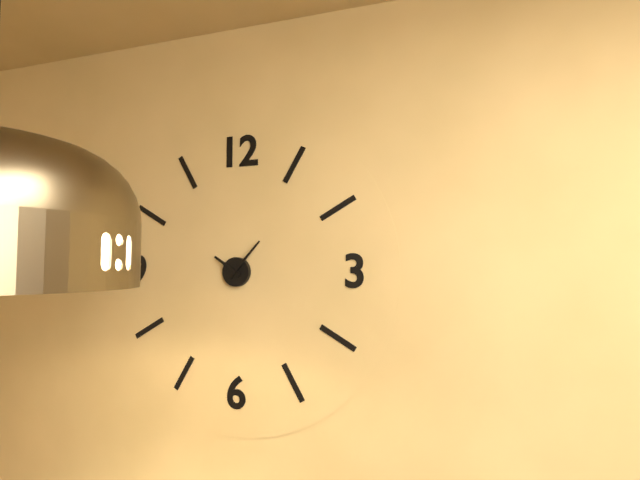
10:07
